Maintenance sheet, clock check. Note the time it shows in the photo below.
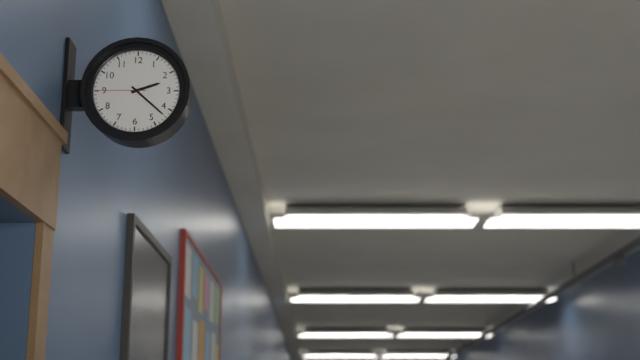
2:22:45
